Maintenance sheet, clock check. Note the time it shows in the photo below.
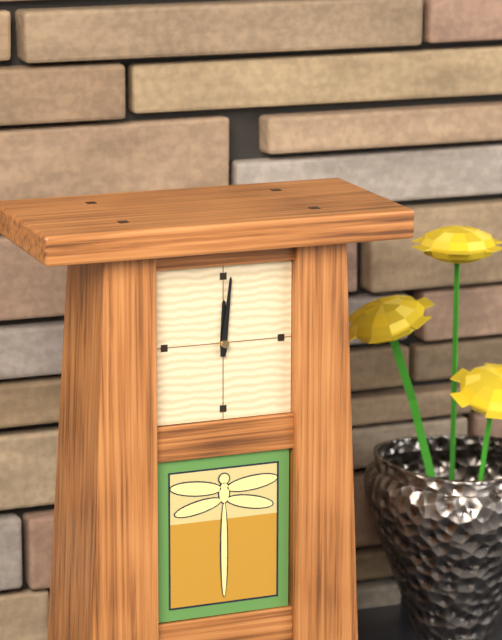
12:01
